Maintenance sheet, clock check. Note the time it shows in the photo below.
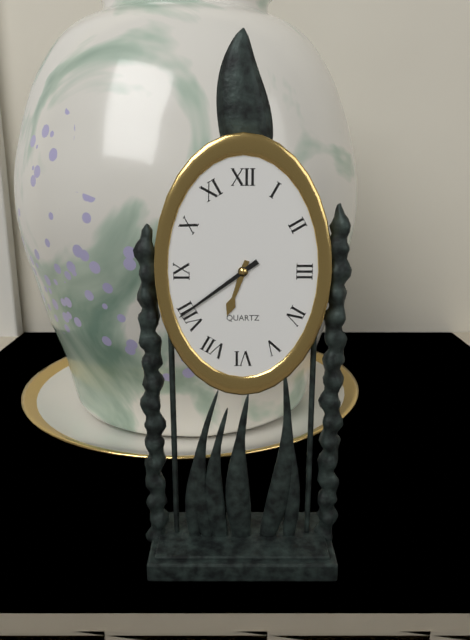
6:39
